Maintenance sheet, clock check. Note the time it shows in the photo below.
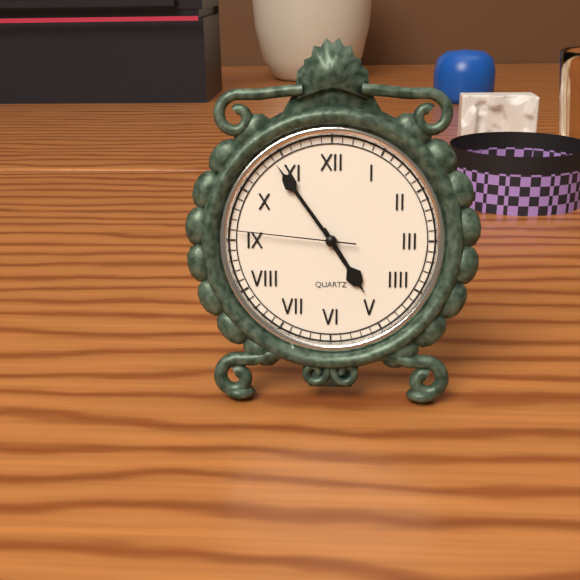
4:54:46
